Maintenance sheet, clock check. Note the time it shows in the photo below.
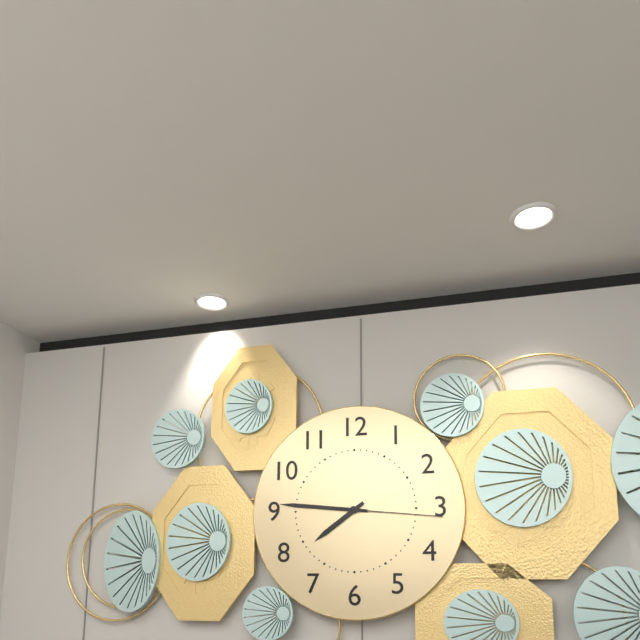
7:46:16
